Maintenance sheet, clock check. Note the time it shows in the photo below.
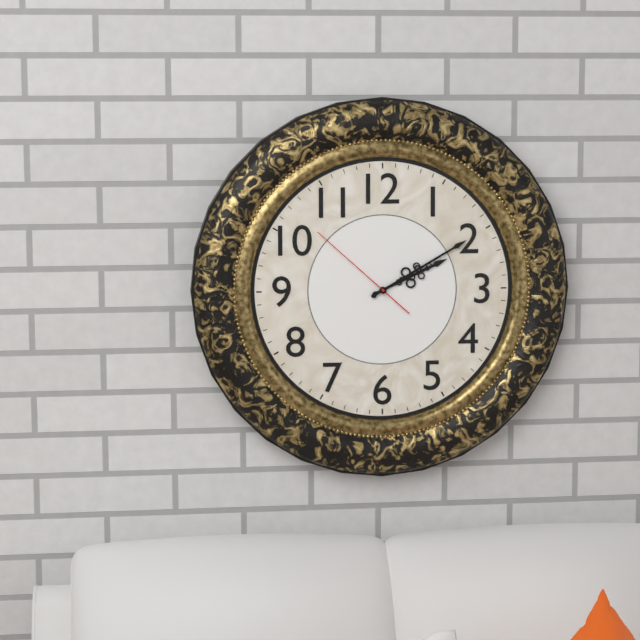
2:10:52
